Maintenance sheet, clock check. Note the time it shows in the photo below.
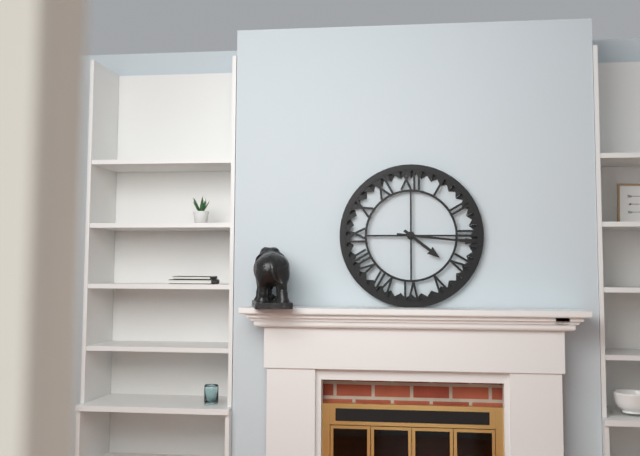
4:16
